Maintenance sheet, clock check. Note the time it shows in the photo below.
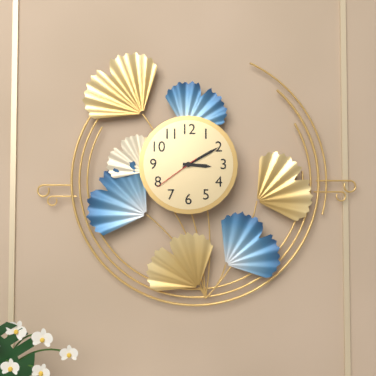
3:10
